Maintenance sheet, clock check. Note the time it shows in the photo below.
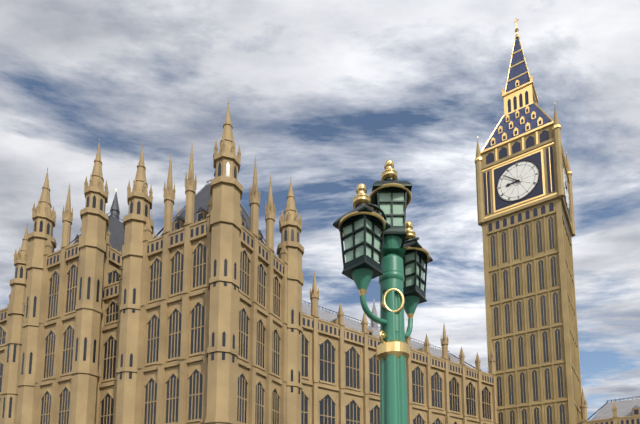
8:52
